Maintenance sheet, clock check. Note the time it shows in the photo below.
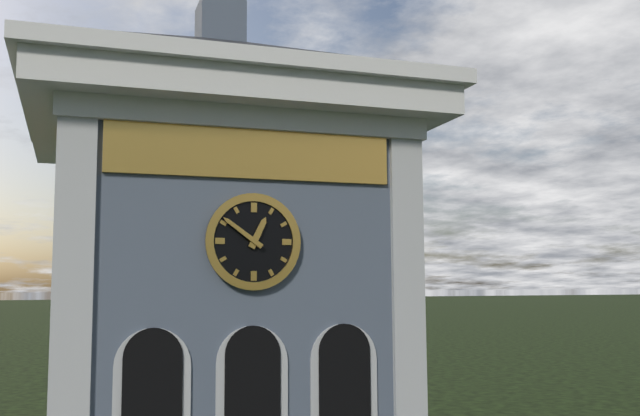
12:51
